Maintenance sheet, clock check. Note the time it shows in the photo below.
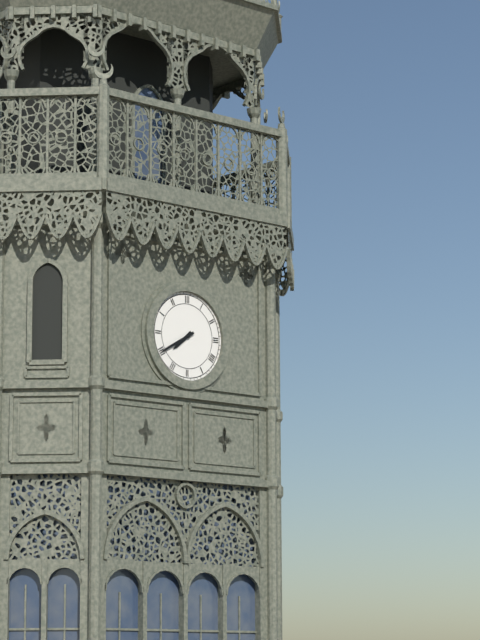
7:40
